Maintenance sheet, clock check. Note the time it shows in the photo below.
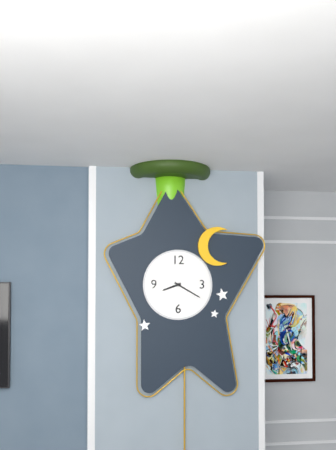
8:20
